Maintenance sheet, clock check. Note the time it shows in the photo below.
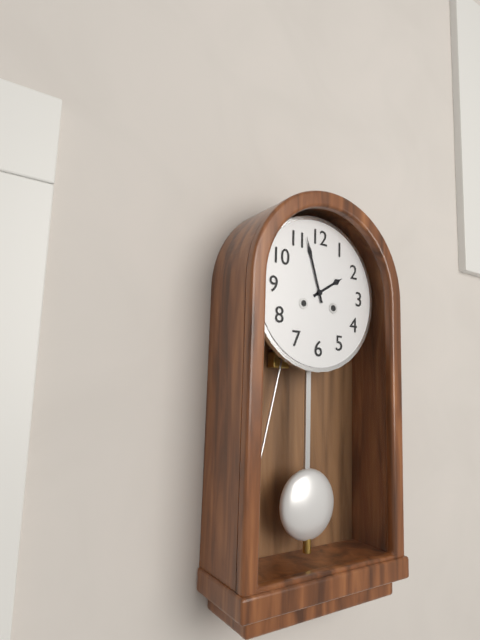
1:57
